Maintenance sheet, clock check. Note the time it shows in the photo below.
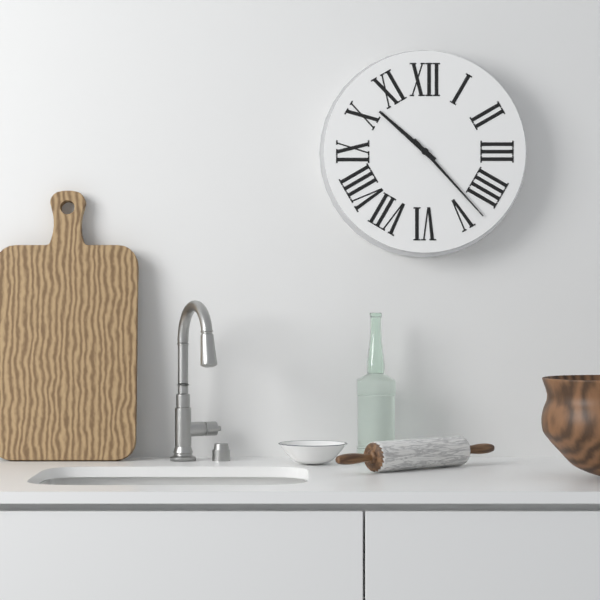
10:23
